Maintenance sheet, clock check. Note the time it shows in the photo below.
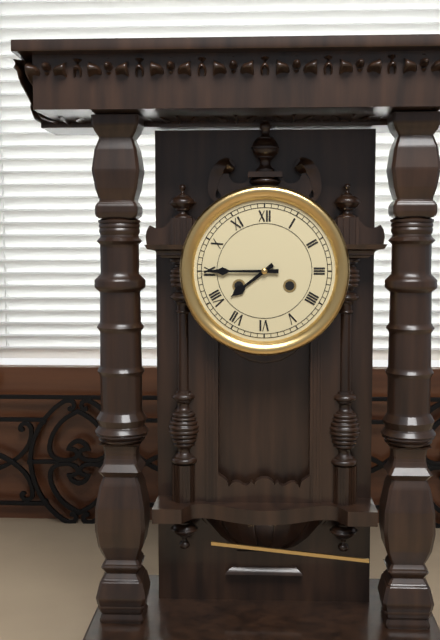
7:45
